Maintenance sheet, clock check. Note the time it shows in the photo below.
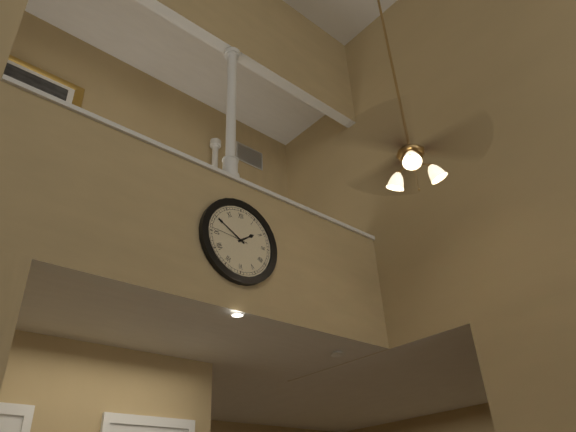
1:50
